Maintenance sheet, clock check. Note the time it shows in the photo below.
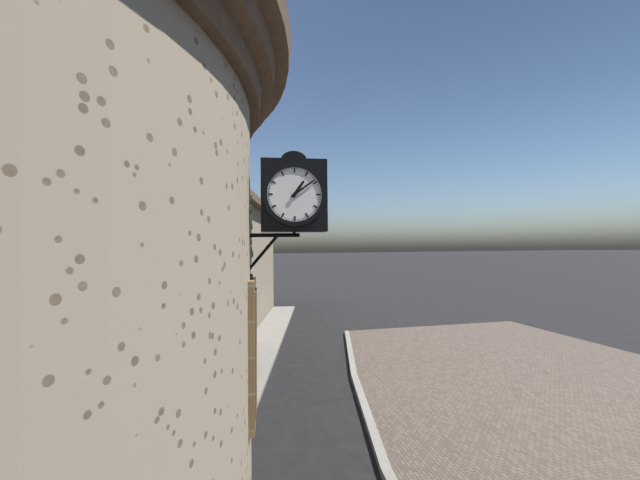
1:09
